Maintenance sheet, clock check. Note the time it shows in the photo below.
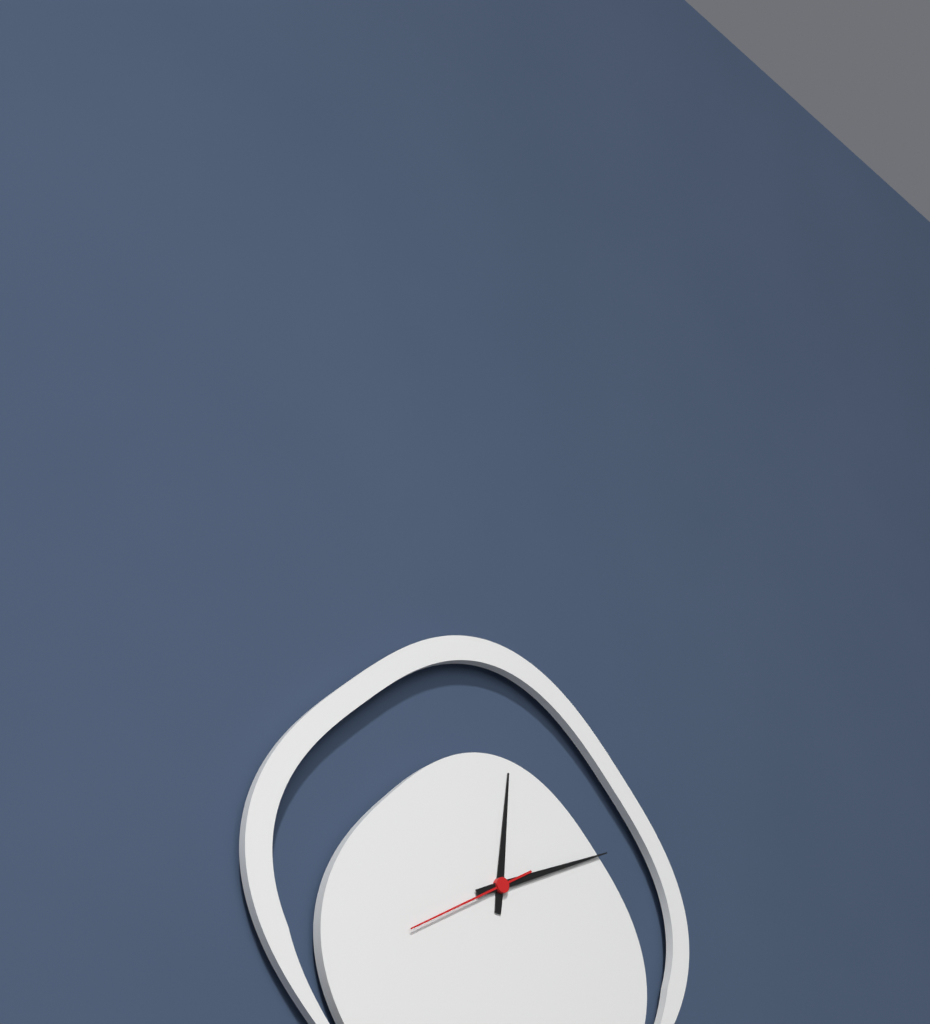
12:11:40
